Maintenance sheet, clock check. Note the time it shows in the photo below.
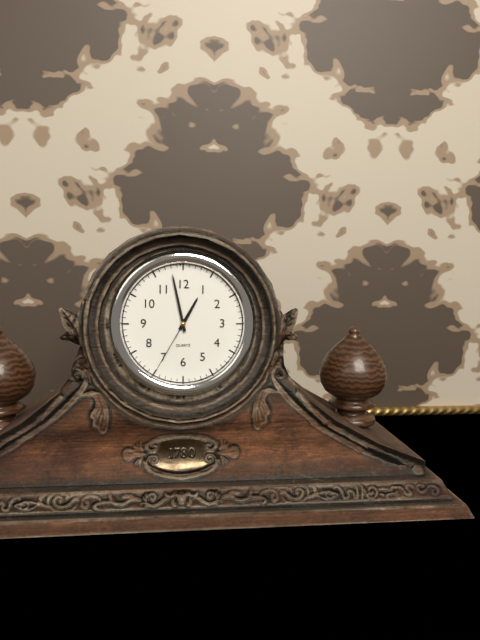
12:58:35
